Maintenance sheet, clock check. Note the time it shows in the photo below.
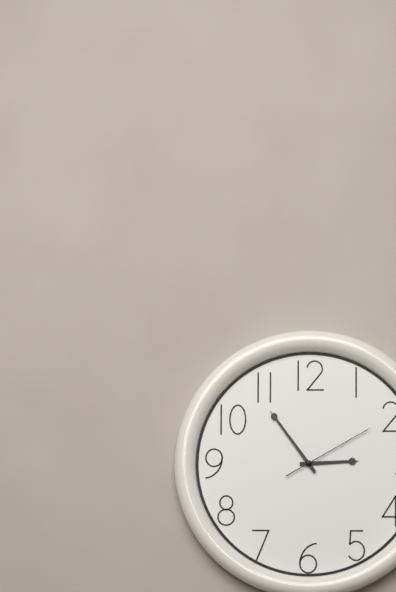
2:54:10
